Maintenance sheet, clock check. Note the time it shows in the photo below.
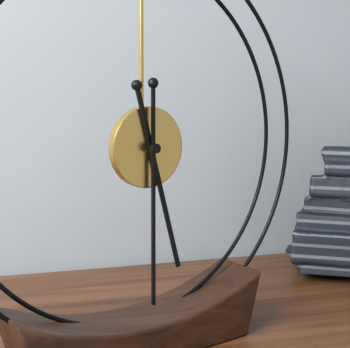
5:30
